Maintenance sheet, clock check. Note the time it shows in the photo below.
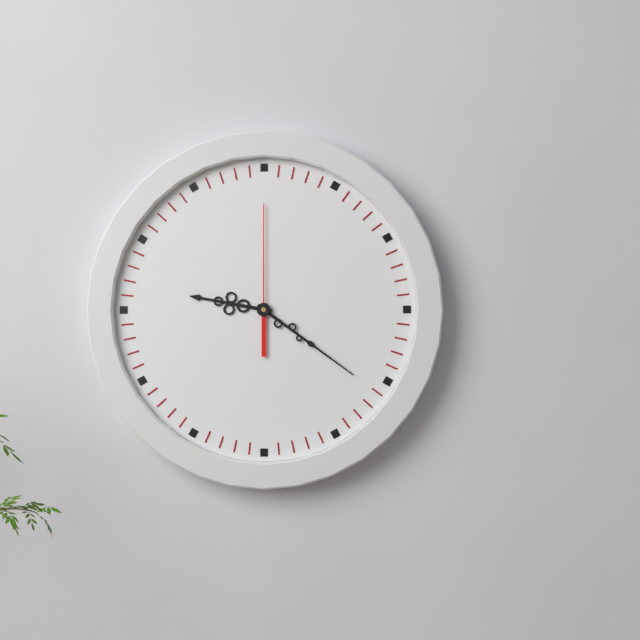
9:21:00
